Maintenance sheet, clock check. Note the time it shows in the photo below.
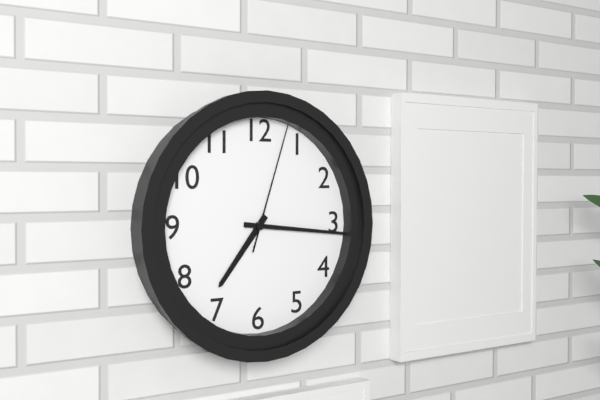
7:16:03
